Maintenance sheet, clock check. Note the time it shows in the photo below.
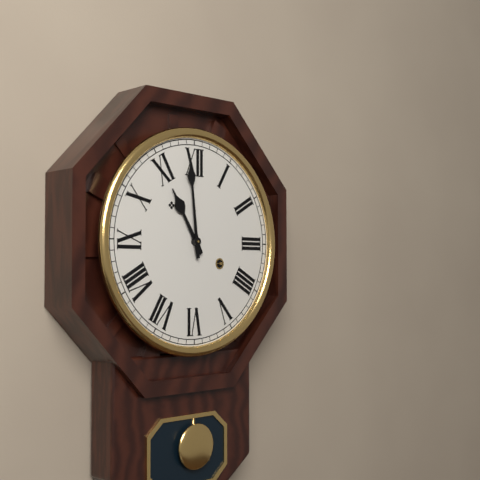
10:59
